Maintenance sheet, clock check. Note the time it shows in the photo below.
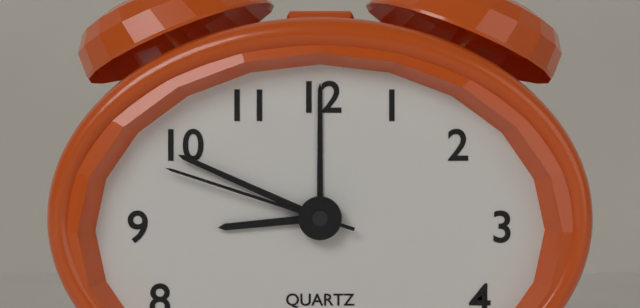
8:49:48
